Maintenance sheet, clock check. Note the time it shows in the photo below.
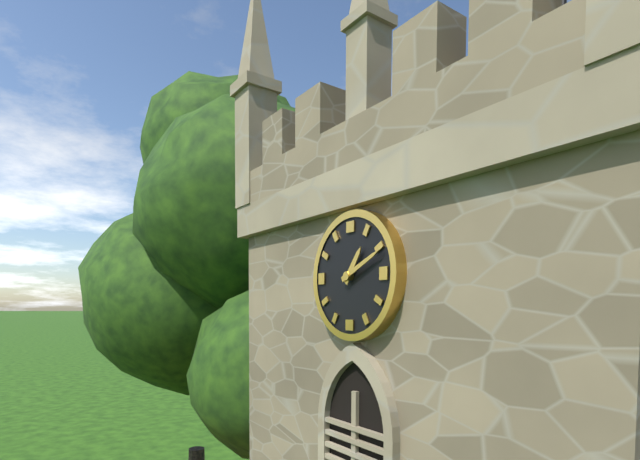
1:11
